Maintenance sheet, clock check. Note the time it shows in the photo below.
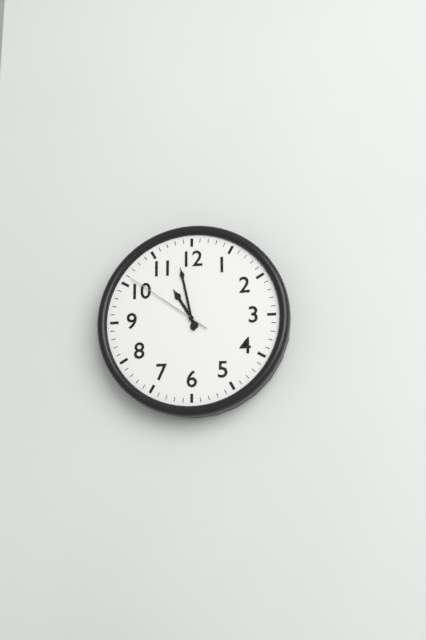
10:58:51
